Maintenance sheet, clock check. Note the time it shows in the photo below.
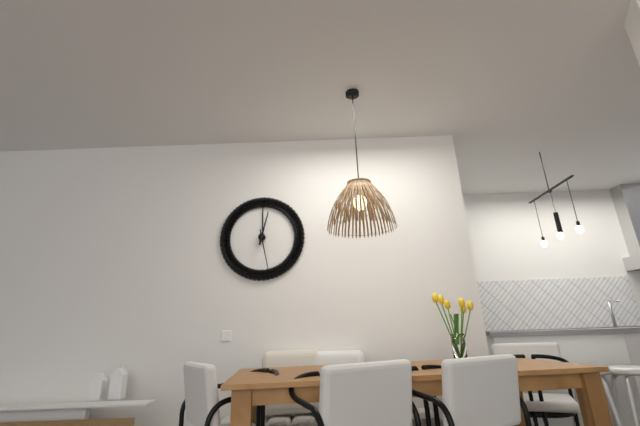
12:28
